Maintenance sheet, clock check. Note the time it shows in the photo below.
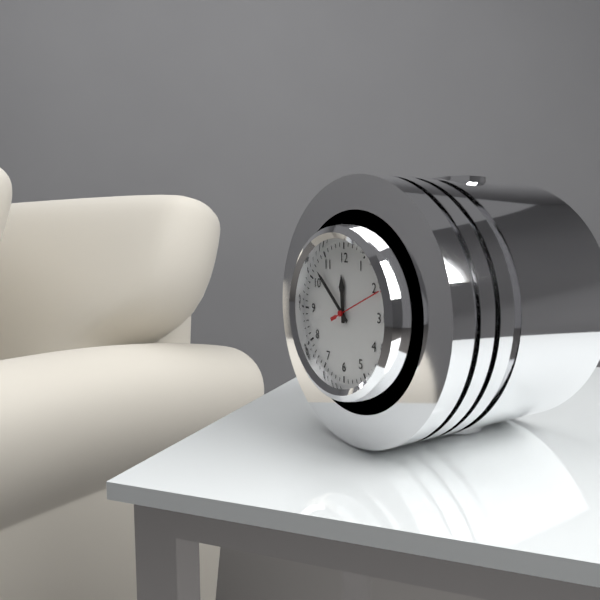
11:52:11
